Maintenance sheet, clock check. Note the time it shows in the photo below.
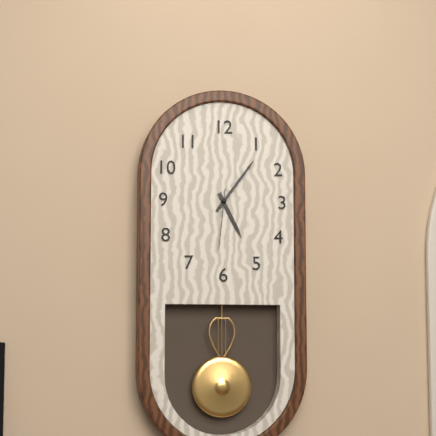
5:06:31
